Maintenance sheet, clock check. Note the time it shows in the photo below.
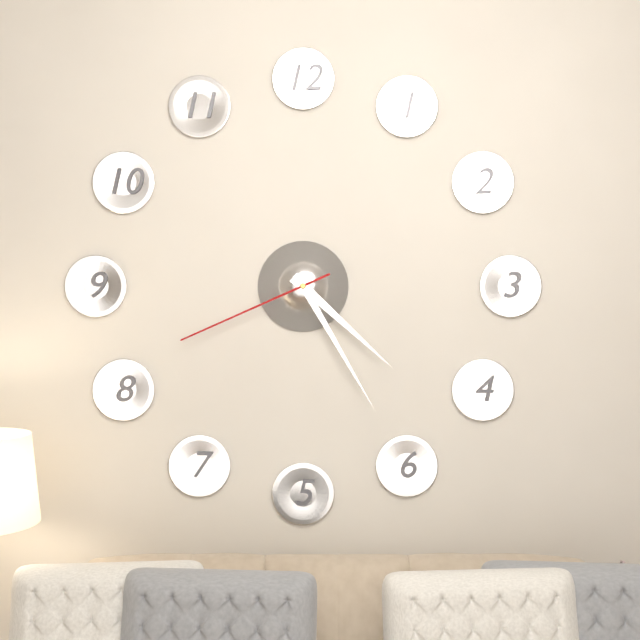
4:25:41
